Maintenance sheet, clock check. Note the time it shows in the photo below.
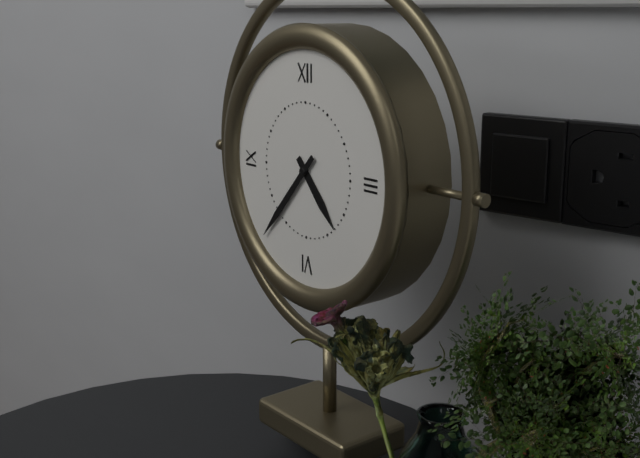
4:37
